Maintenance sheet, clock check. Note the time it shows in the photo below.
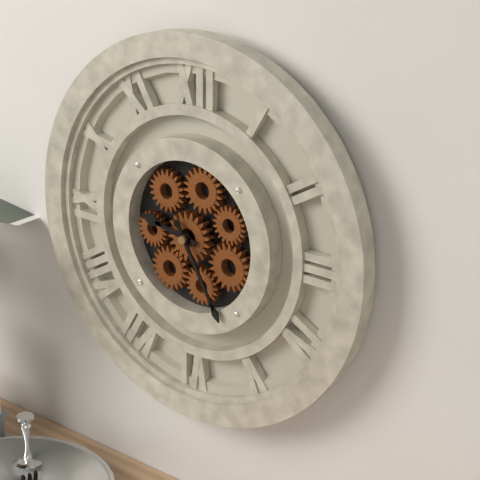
9:25
